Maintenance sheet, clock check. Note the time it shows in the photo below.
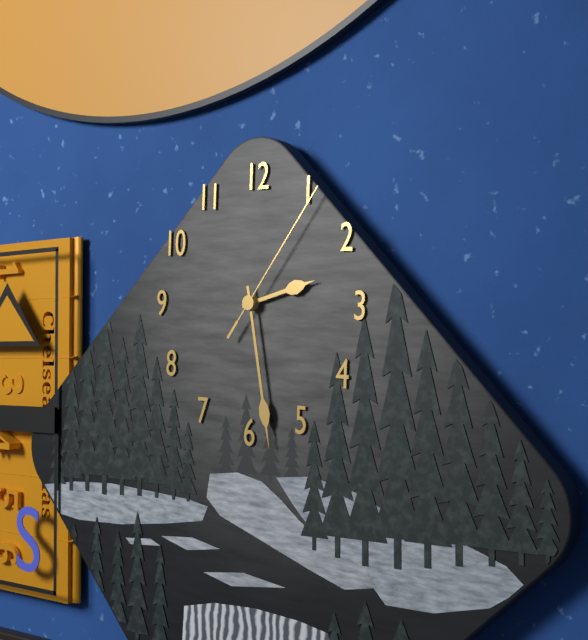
2:28:06
